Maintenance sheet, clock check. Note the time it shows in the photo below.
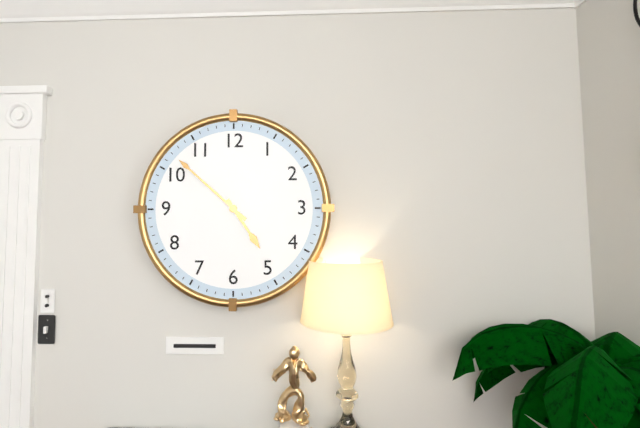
4:52
